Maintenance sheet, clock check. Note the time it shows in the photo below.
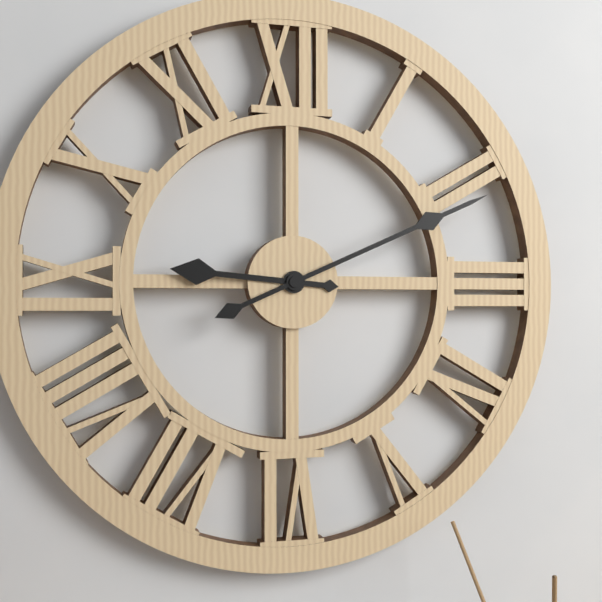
9:11
